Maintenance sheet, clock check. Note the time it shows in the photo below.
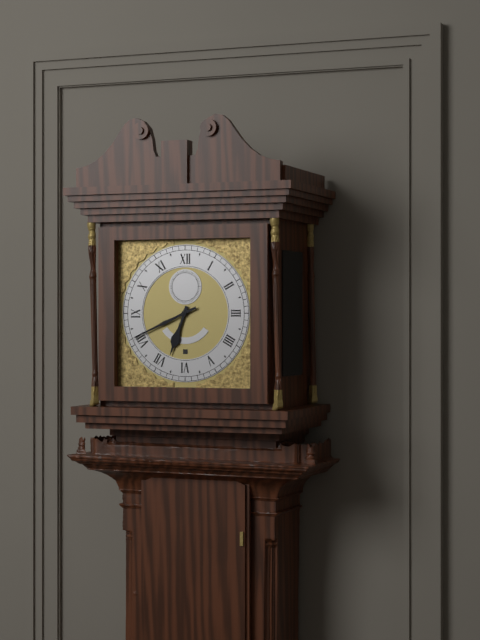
6:41
